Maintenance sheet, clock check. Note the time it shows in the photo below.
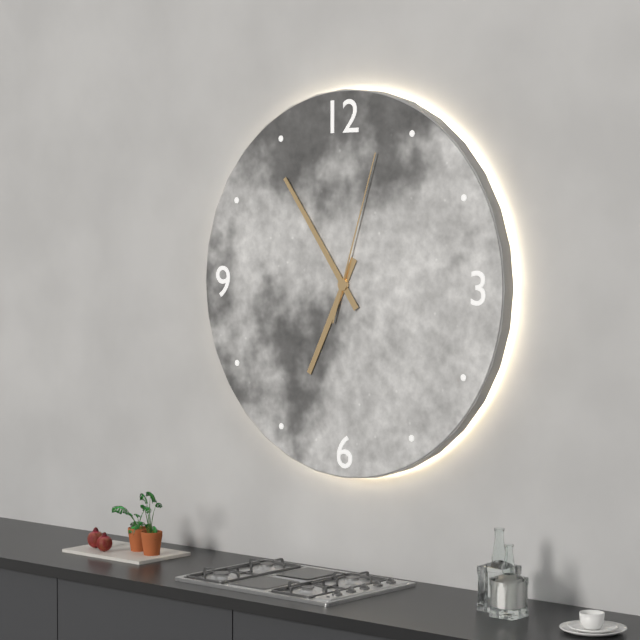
6:54:03
